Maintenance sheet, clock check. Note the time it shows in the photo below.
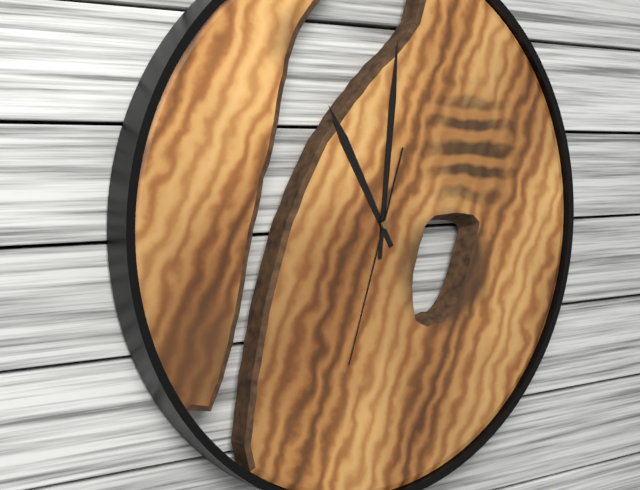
11:01:33
